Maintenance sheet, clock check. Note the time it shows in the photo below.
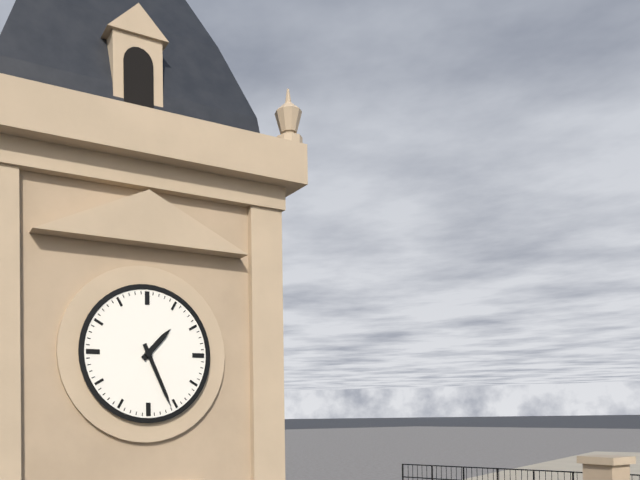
1:26
